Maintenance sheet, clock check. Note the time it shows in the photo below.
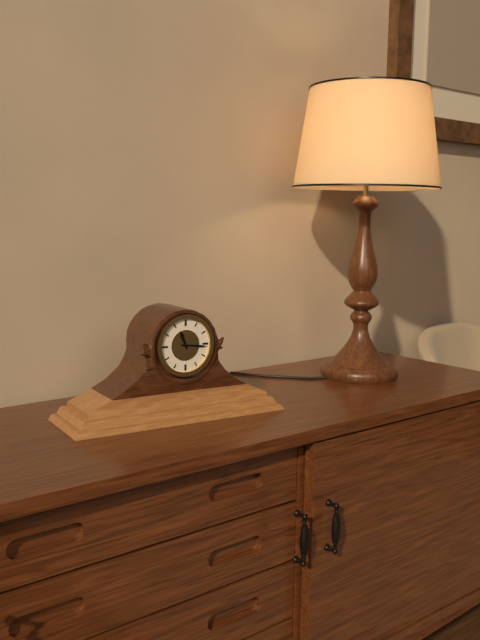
11:16
